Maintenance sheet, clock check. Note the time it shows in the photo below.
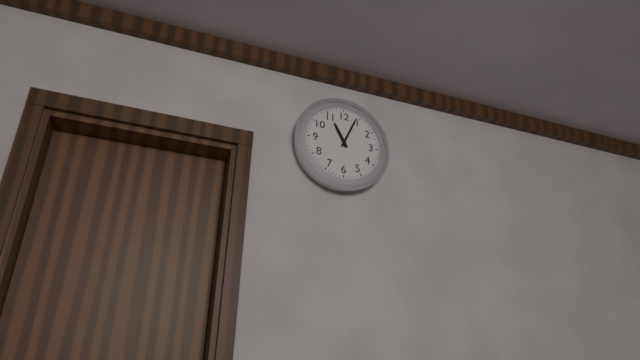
11:04
